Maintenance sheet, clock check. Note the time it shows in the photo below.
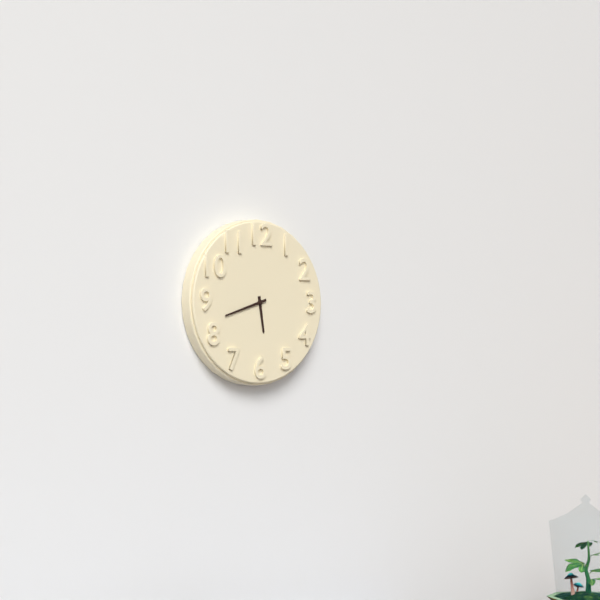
5:42
